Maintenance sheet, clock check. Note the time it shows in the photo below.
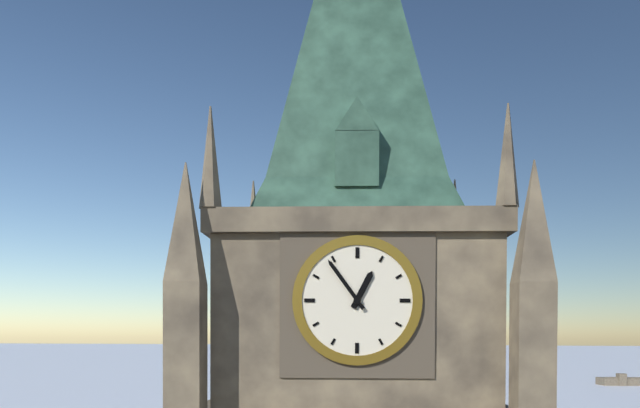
12:54
